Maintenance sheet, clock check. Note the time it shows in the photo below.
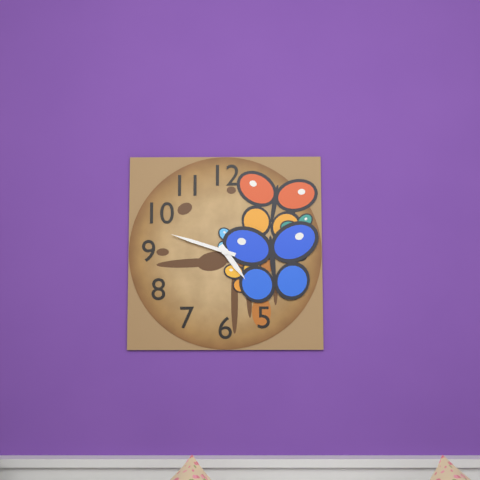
4:48
